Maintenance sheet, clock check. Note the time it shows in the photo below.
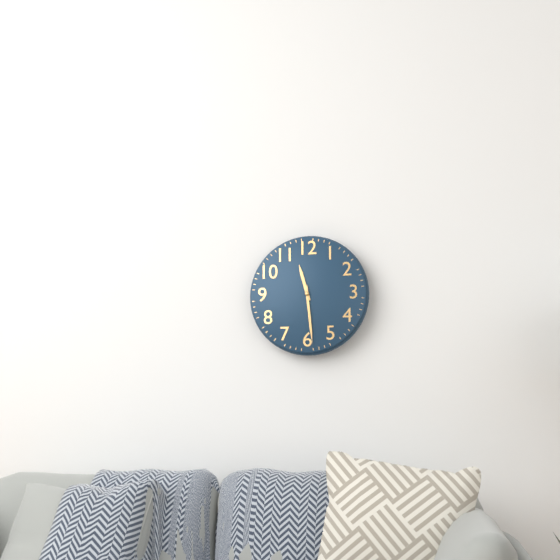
11:29
